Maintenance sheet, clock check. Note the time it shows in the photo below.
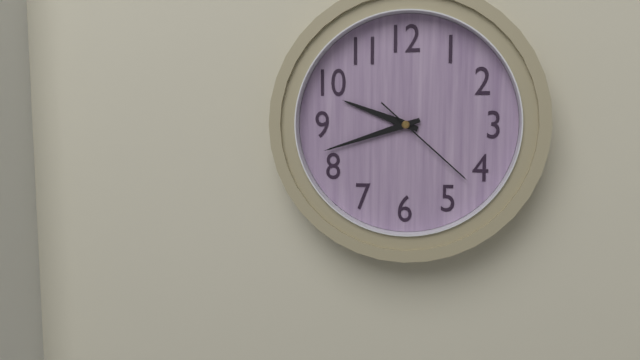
9:42:22
